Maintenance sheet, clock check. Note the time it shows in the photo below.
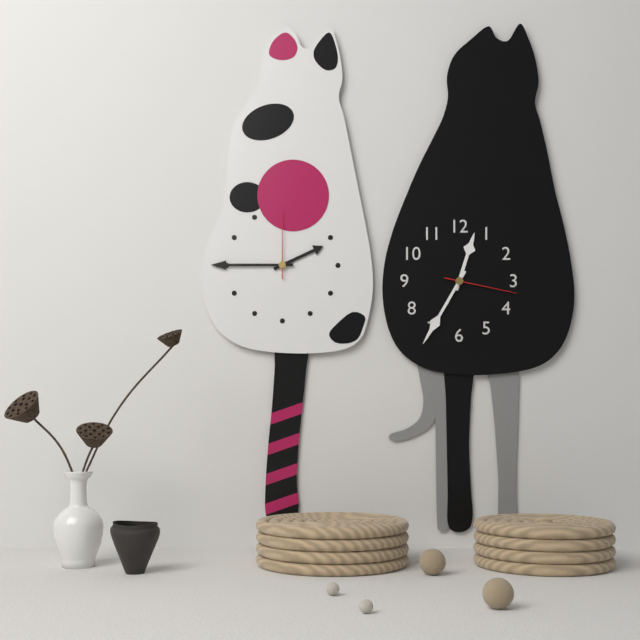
12:35:17
